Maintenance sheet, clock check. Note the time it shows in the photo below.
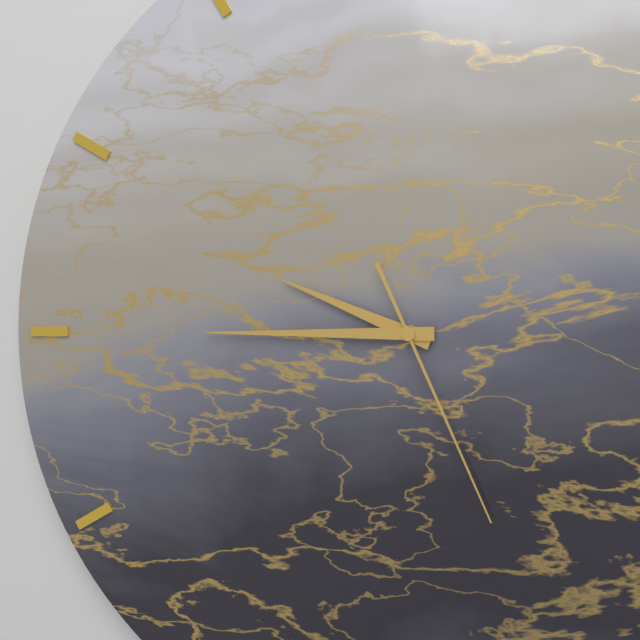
9:45:26
